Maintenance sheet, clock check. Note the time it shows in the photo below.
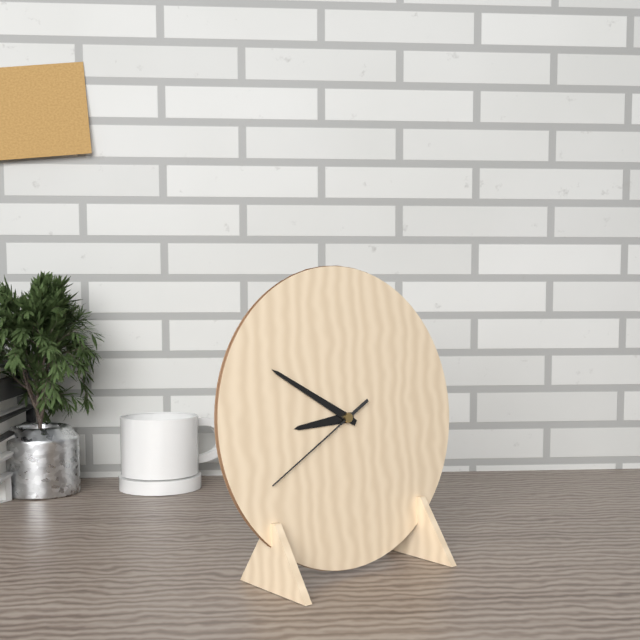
8:50:40
